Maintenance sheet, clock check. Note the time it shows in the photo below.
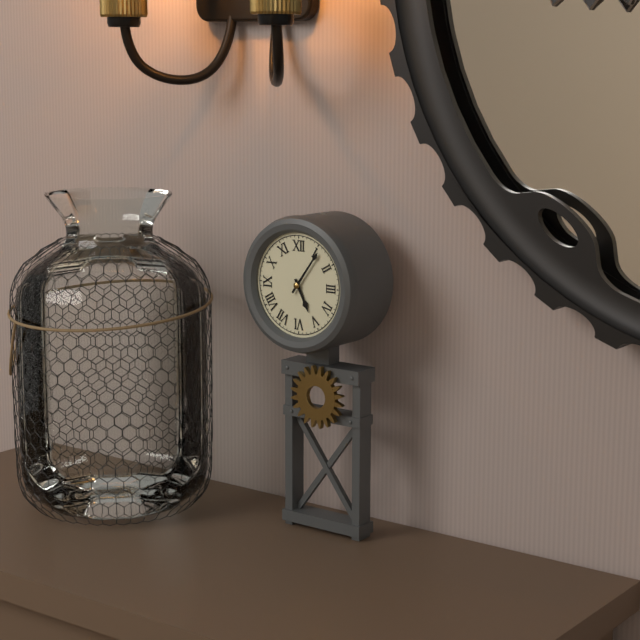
5:06
